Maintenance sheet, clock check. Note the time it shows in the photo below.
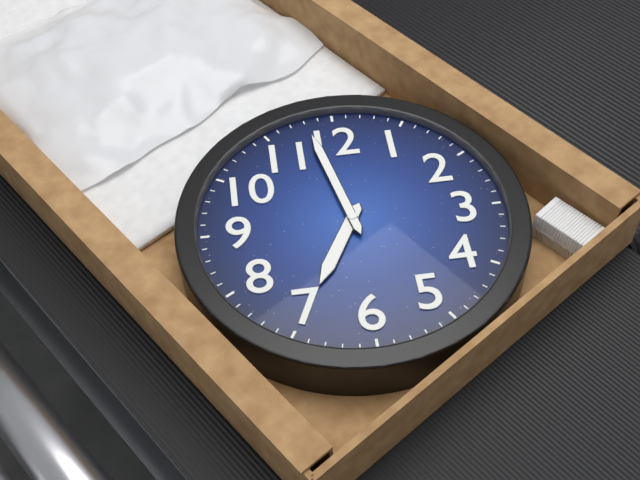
6:58
